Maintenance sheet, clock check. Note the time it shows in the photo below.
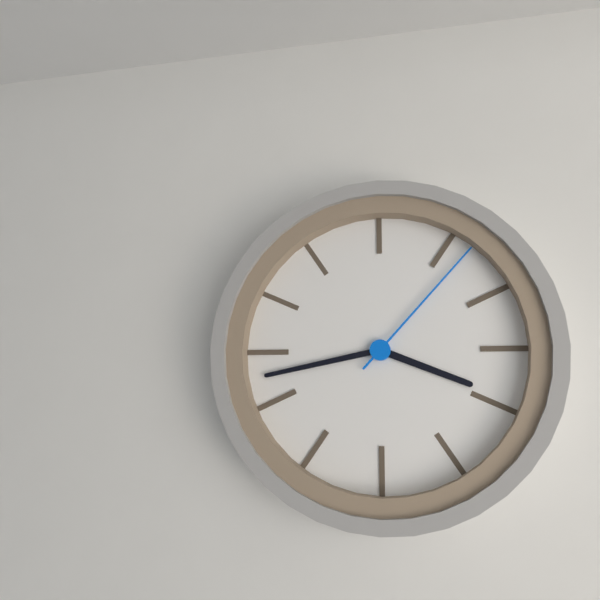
3:43:07
